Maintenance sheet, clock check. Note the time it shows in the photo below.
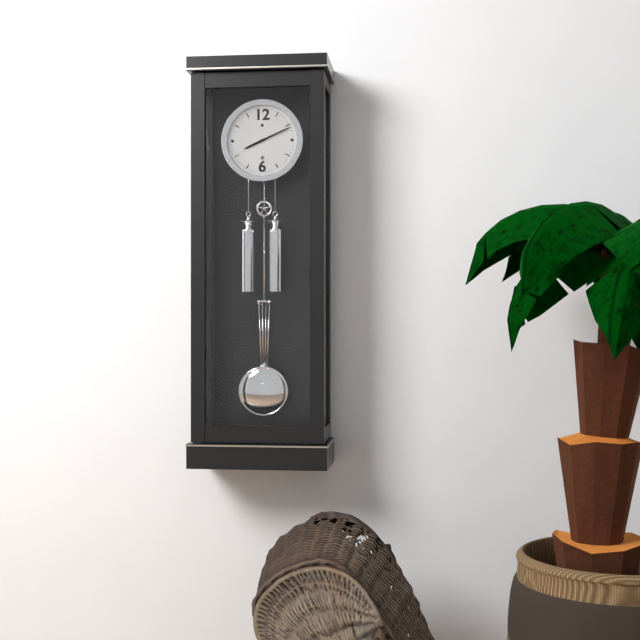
8:11
